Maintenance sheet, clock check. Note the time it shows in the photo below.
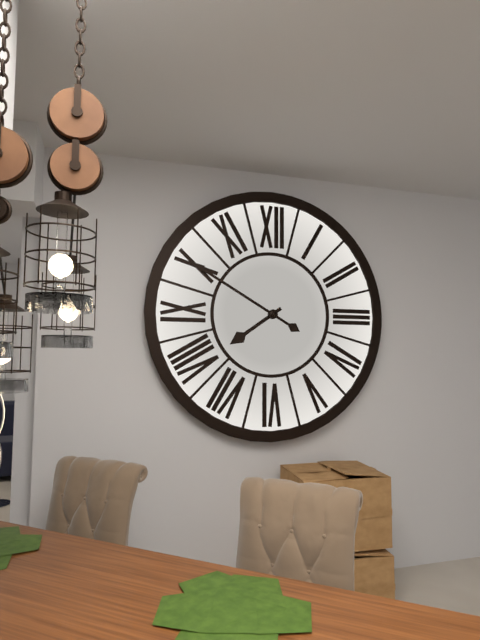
7:50
